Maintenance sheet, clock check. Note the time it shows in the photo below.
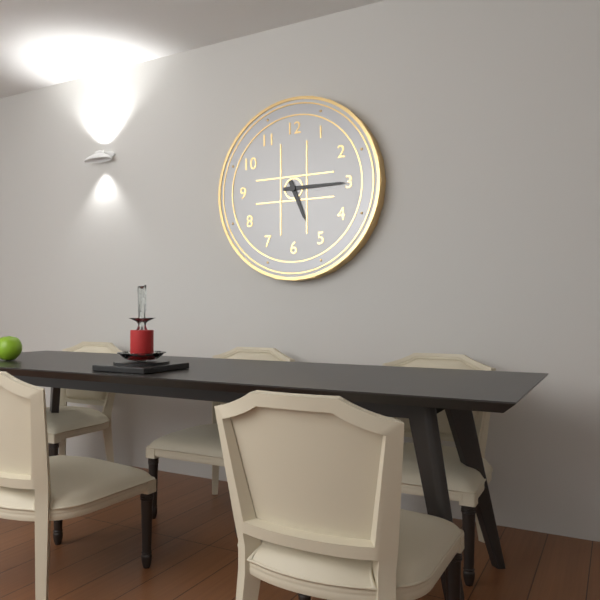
5:15
